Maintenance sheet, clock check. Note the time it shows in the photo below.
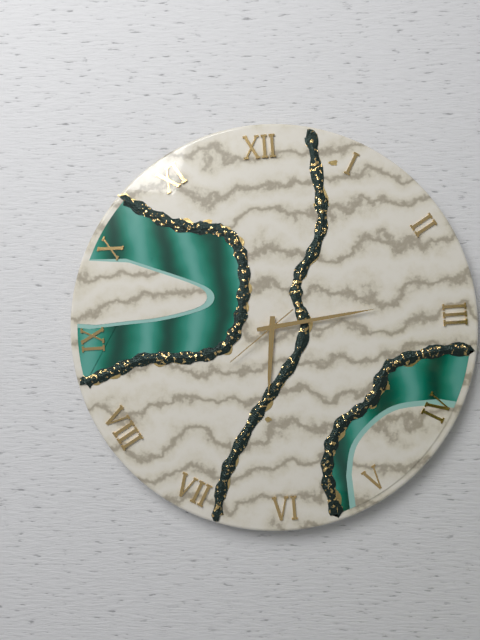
6:14:39
